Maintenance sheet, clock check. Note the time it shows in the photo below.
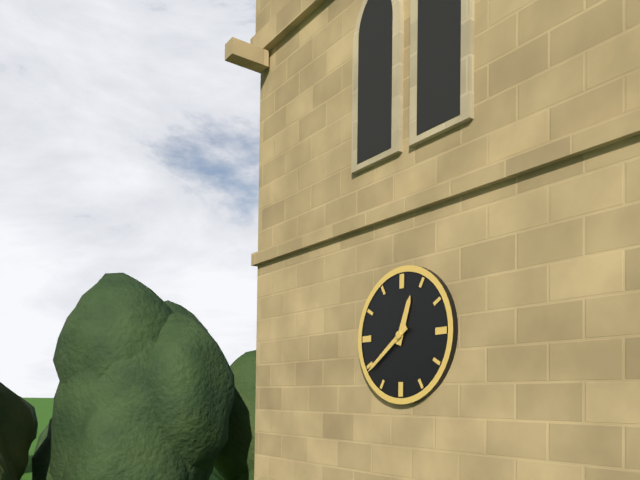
12:39
